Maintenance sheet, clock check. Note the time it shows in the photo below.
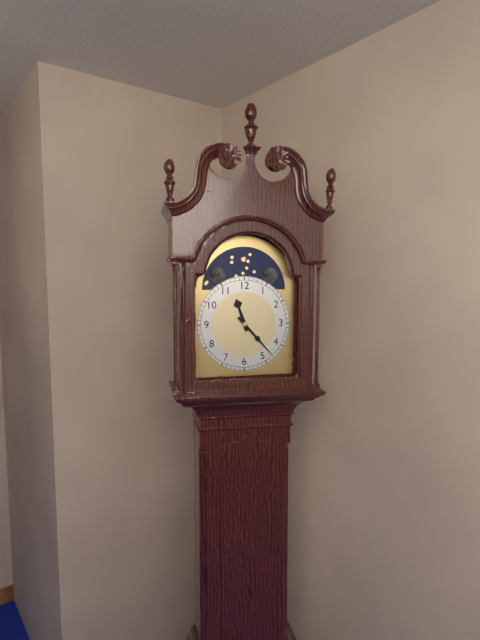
11:23
